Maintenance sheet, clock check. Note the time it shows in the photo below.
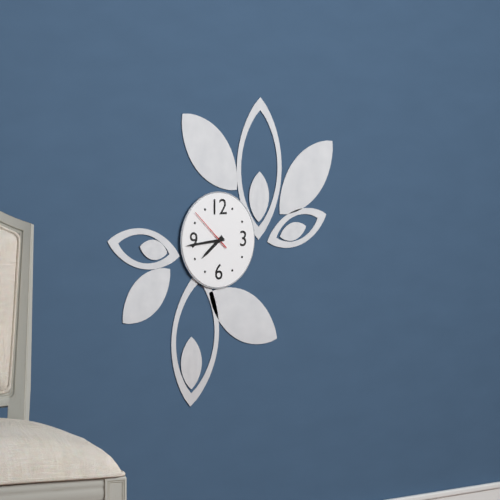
7:44
